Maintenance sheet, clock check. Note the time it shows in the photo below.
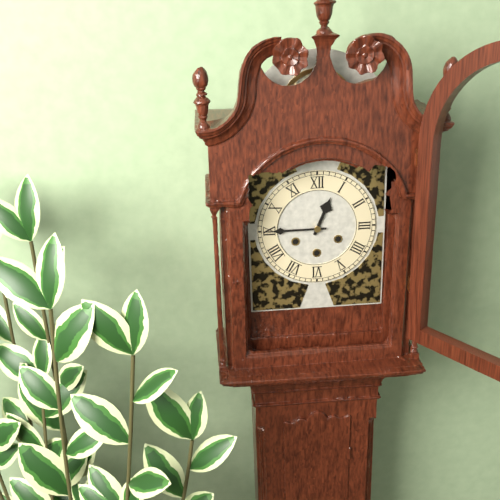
12:45
